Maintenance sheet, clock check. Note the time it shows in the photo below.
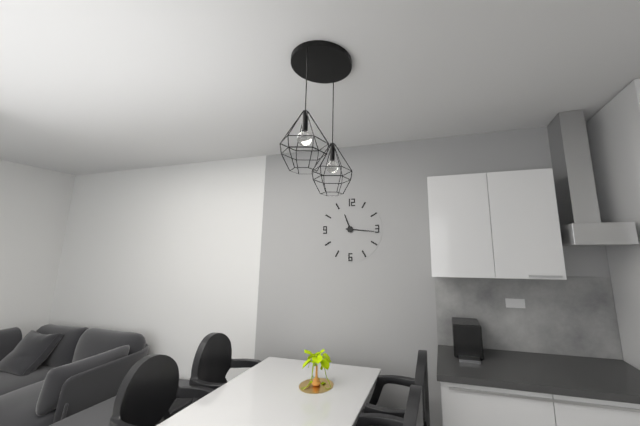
11:16
